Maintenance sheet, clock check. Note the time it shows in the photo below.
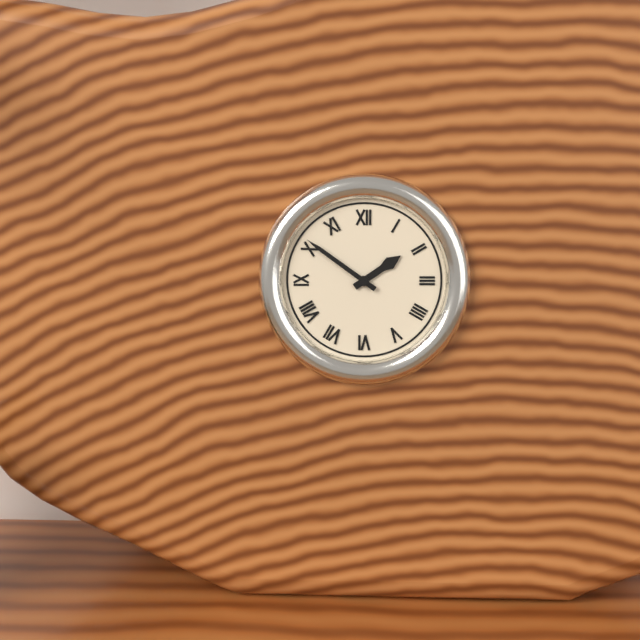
1:51
